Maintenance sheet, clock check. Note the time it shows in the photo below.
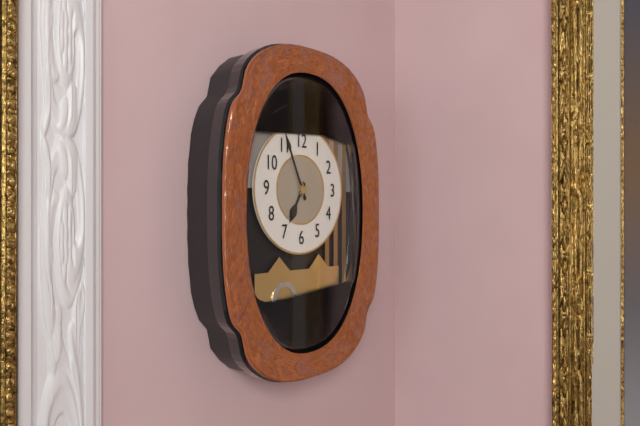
6:56
